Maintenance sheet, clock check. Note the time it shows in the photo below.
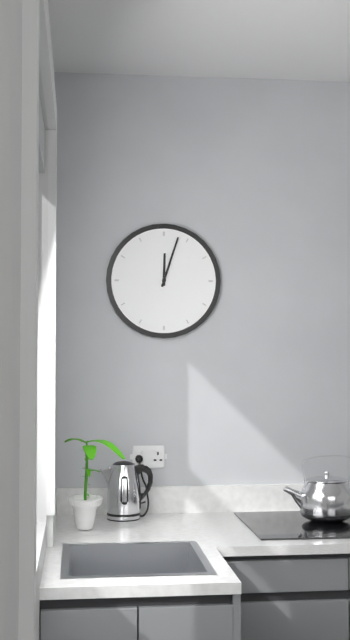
12:03
